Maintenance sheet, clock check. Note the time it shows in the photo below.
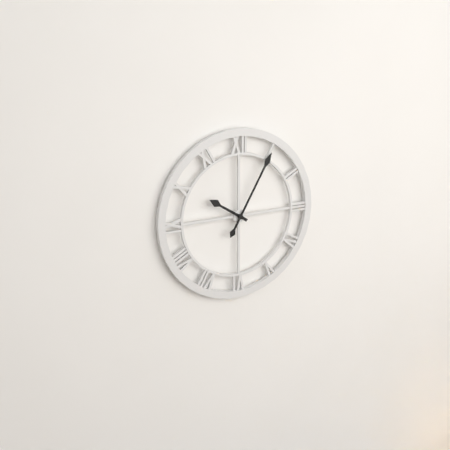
10:05
